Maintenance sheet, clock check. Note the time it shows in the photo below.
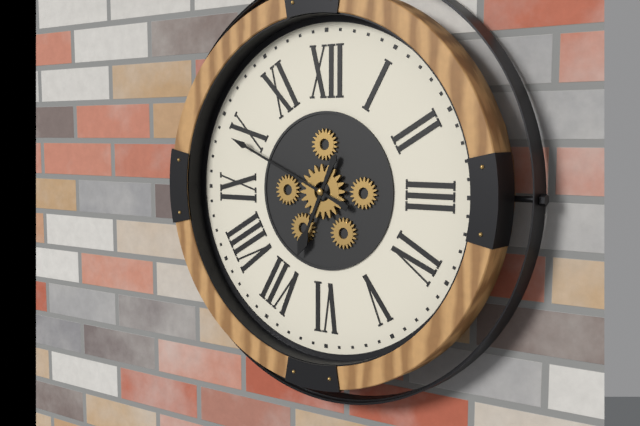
6:49
